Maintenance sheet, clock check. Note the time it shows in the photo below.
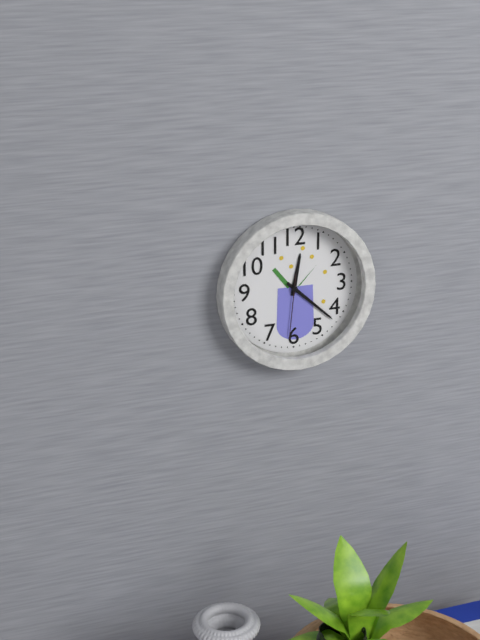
12:22:31
